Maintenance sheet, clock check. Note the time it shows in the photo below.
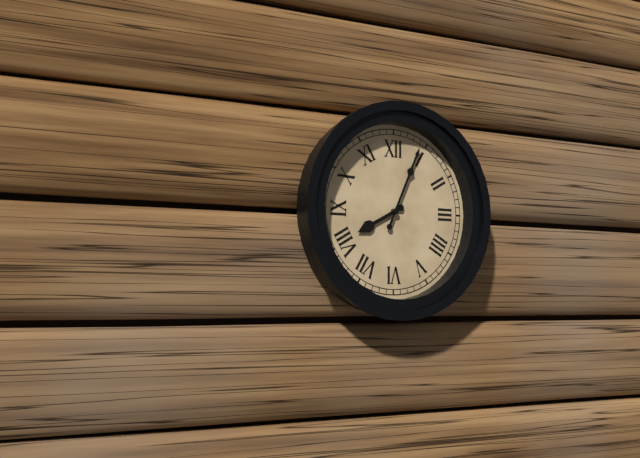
8:04
